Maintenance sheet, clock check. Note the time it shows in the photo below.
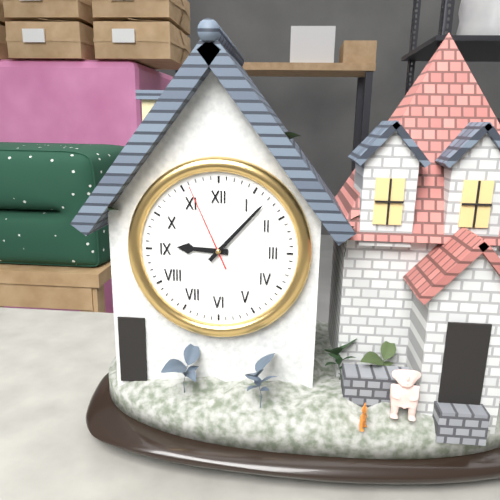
9:07:56
